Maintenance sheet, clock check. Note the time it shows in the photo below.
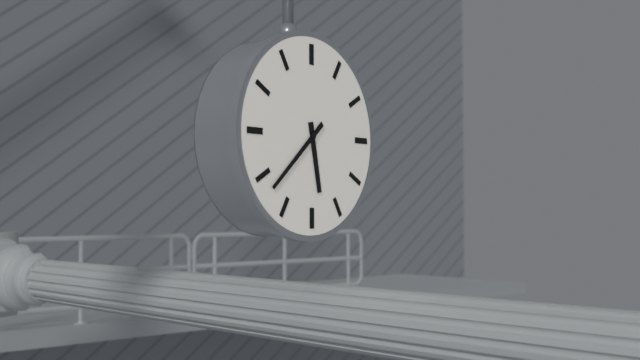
5:38
